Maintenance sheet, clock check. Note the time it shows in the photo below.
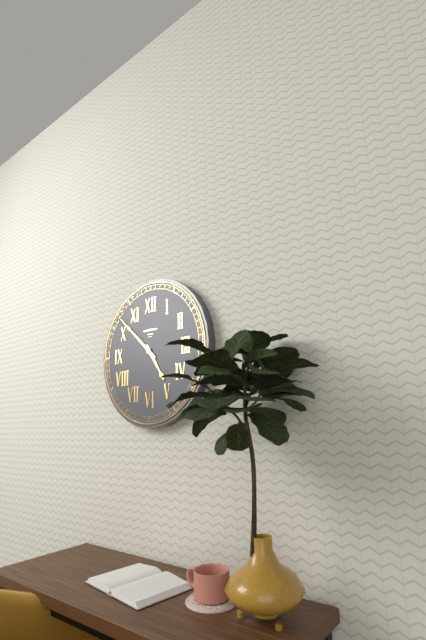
4:52
